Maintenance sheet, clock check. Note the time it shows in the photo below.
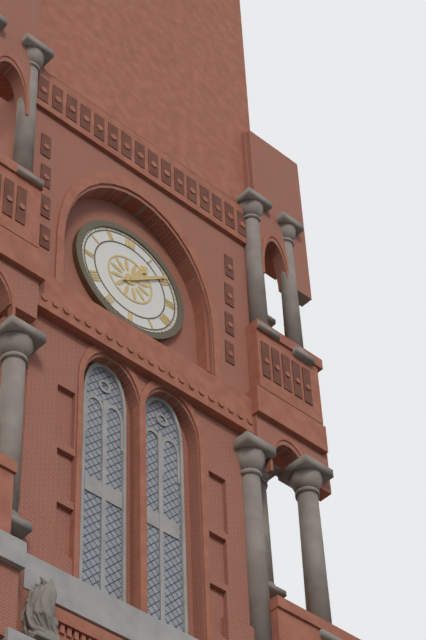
1:09
